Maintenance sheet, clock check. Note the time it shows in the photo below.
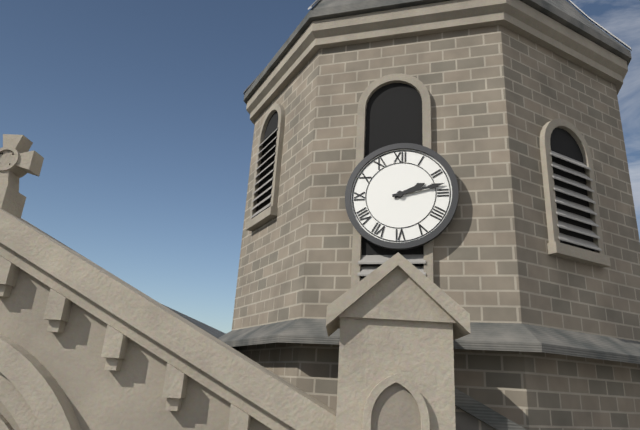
2:13
